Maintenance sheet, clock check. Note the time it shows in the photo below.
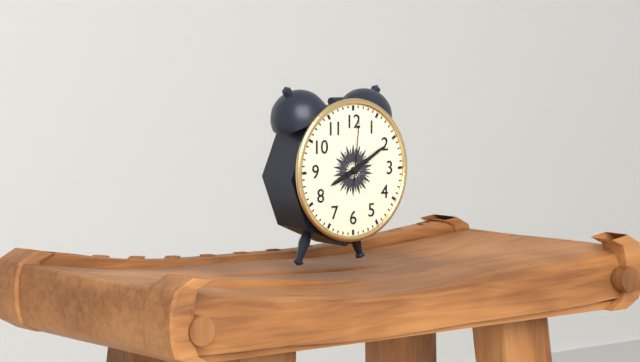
8:10:01
